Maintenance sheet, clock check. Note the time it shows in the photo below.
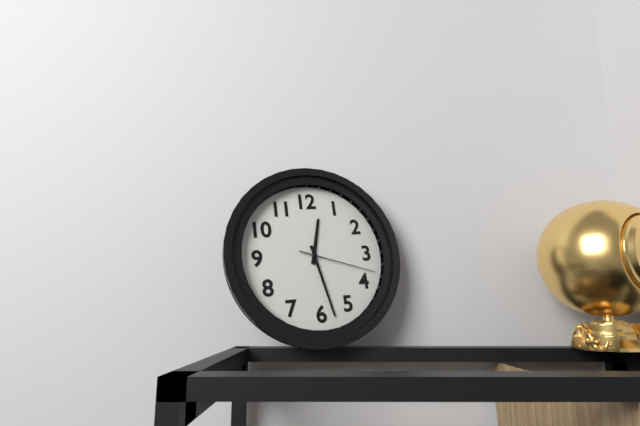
12:28:18
